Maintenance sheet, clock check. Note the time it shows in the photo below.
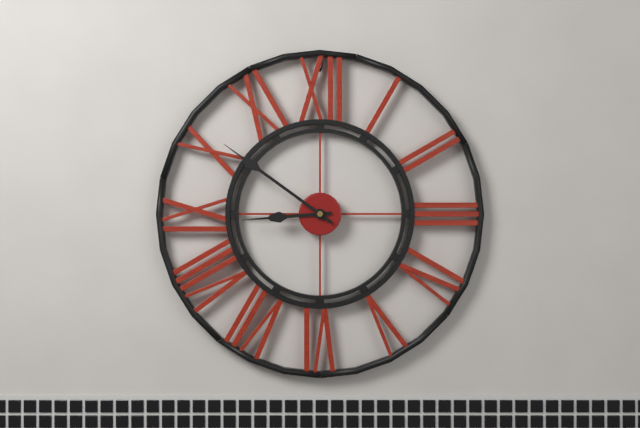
8:51
